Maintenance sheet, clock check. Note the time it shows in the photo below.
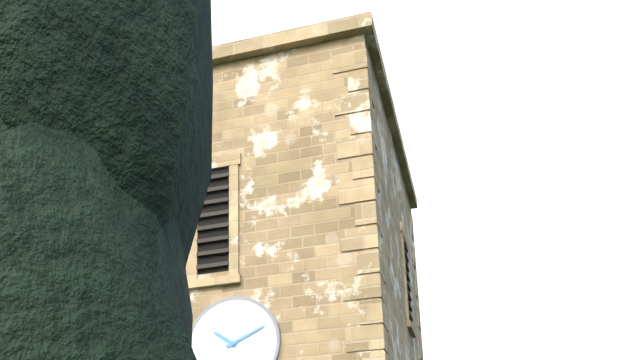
10:11
